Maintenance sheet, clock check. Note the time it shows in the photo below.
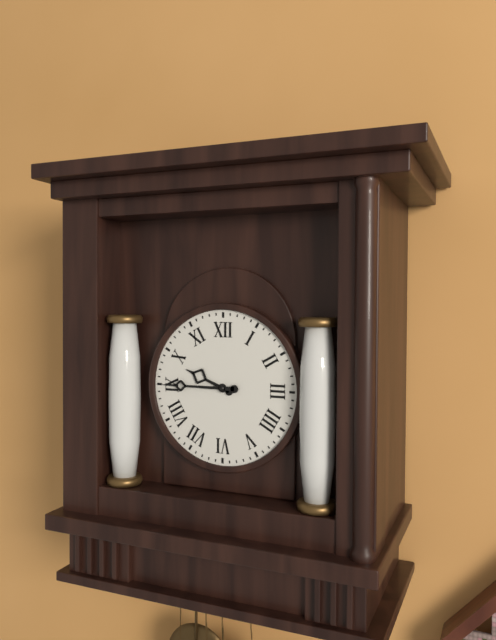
9:45
